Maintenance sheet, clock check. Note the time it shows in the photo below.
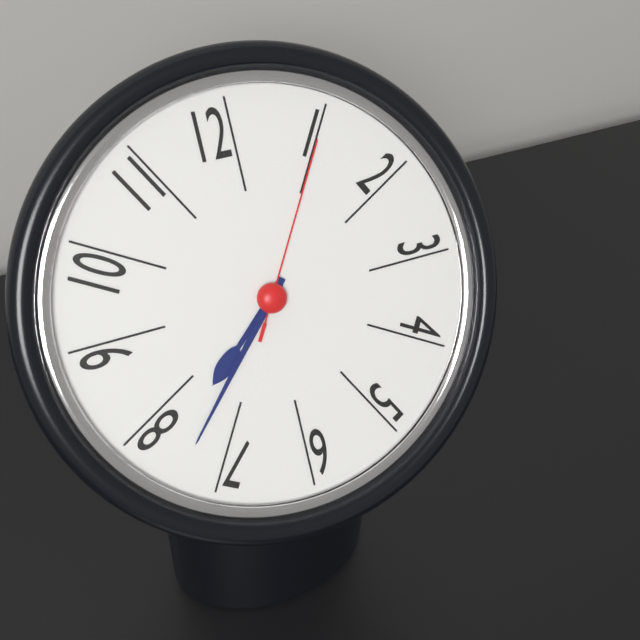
7:37:05
